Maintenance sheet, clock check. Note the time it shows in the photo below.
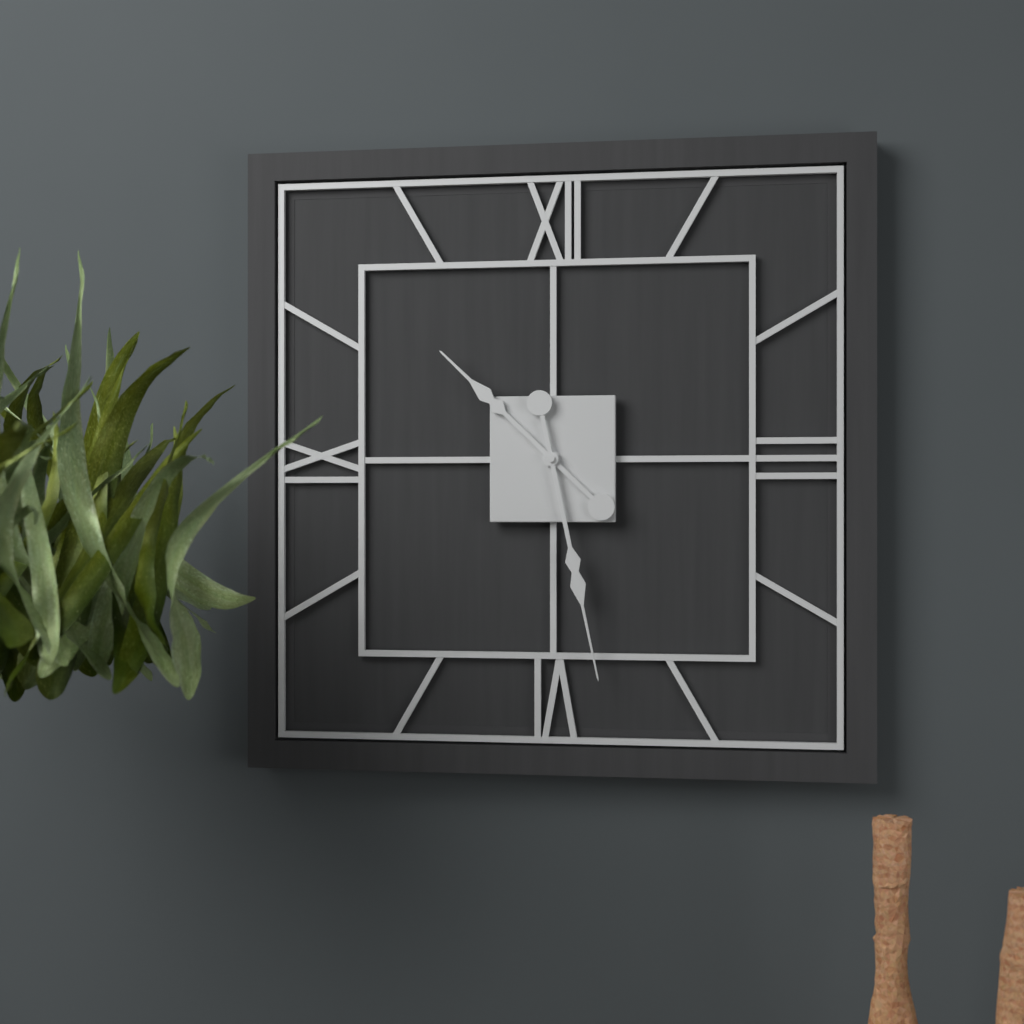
10:28
